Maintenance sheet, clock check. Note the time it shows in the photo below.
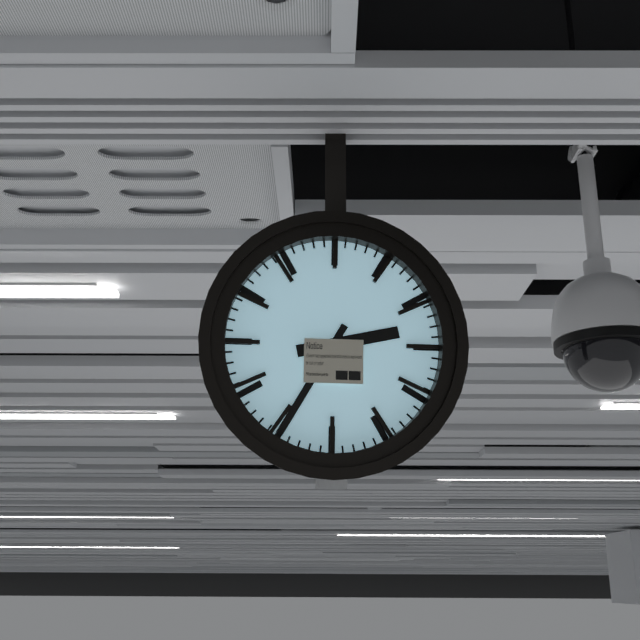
2:35
